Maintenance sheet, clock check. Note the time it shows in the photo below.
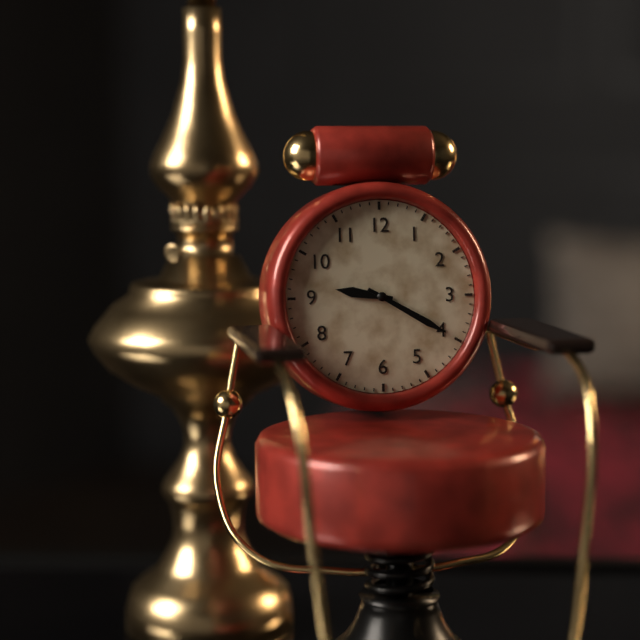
9:20
